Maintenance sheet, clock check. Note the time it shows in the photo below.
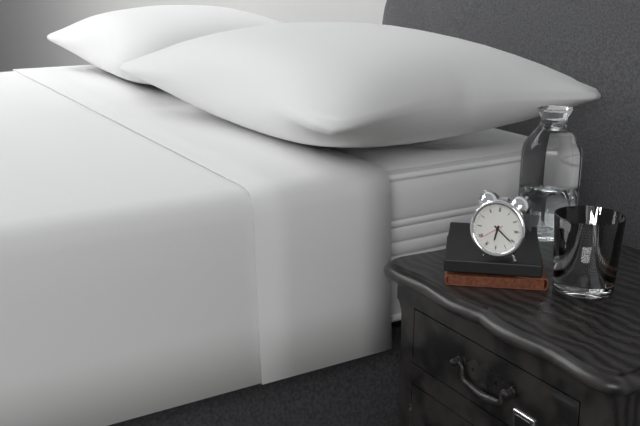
6:21
